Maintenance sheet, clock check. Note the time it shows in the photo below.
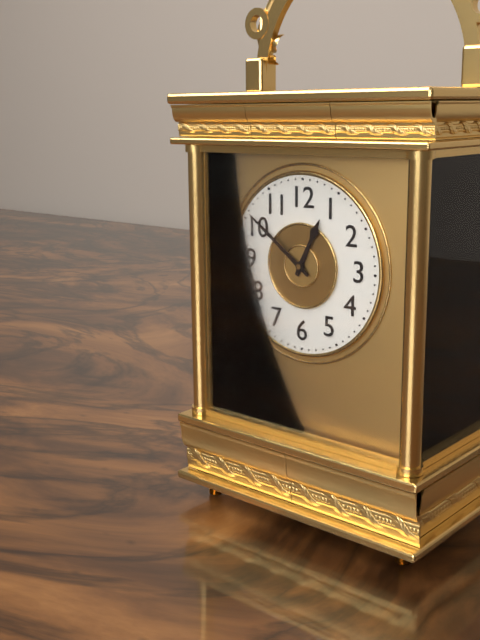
12:51
